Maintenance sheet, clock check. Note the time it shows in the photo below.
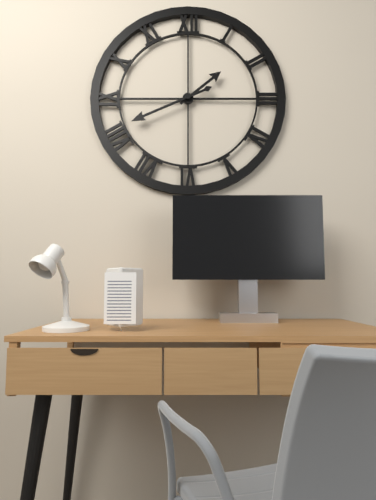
1:41
